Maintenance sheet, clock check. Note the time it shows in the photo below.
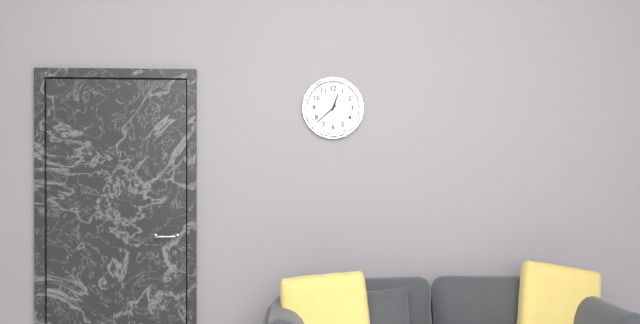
12:38
